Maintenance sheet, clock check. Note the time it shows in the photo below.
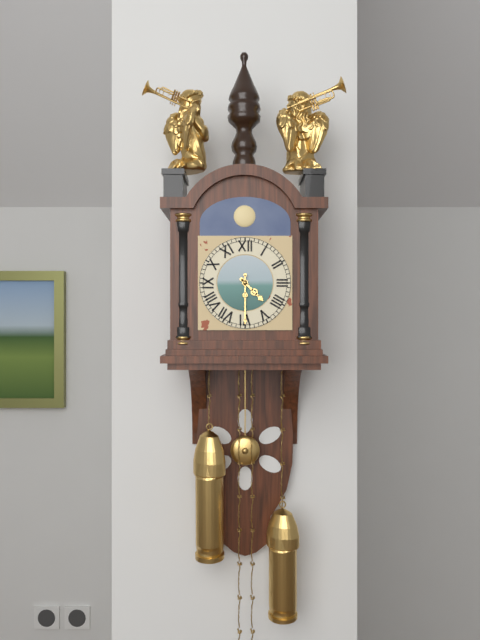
4:30
